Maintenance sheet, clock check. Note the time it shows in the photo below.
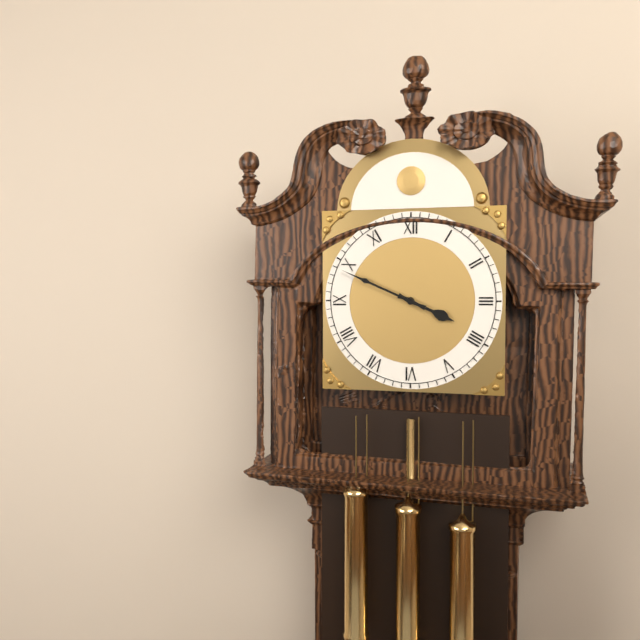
3:49
